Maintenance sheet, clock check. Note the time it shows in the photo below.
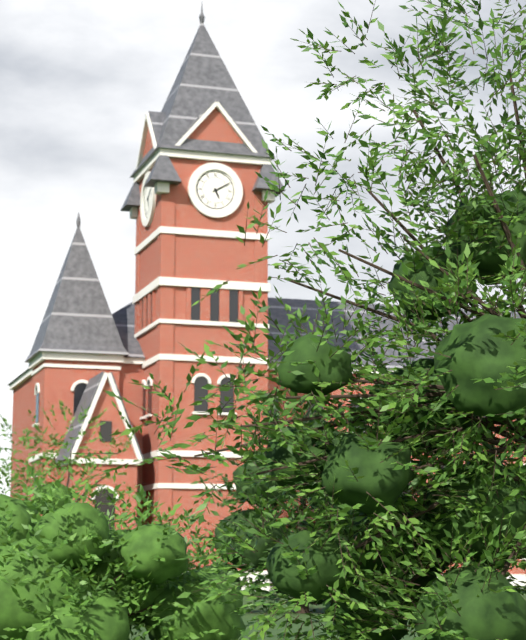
5:10
